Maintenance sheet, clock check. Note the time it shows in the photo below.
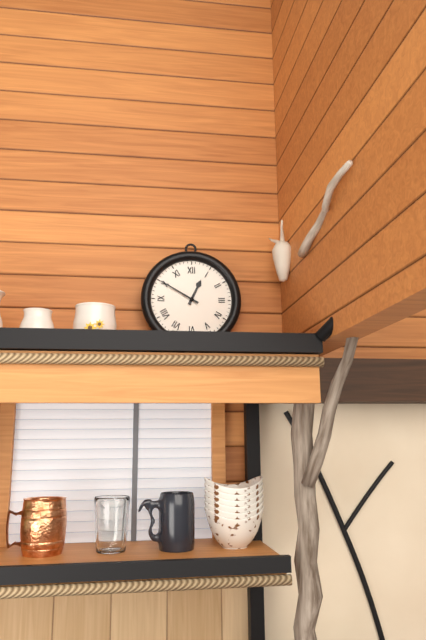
12:50
